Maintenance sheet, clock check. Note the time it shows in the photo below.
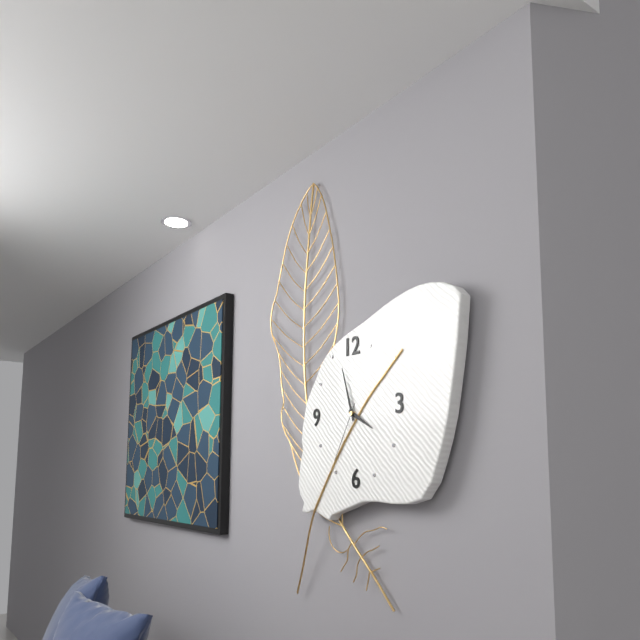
3:57:35
